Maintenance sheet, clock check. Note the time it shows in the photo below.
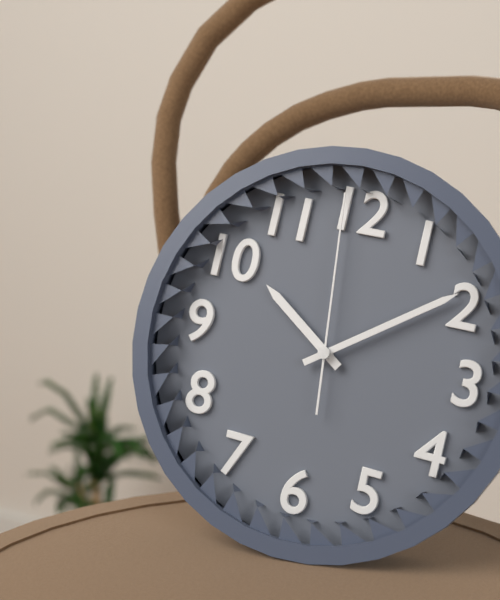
10:09:59
